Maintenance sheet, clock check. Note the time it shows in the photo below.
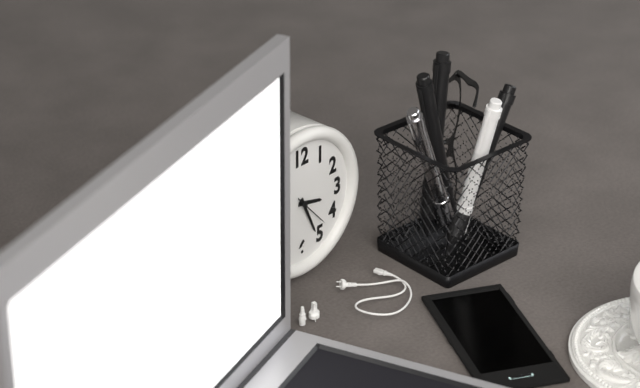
3:26
